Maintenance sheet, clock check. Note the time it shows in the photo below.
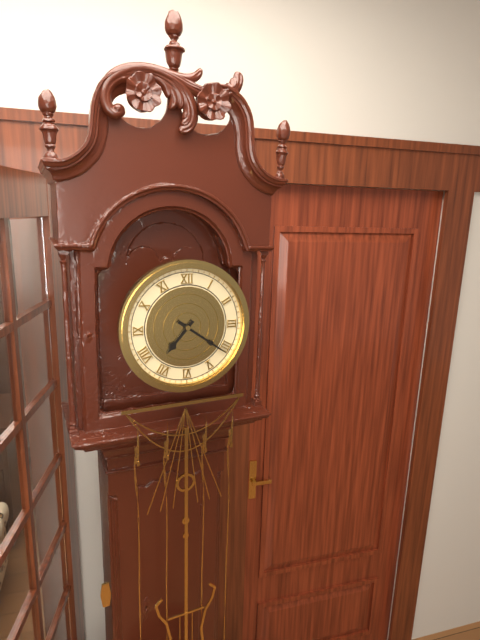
7:21
